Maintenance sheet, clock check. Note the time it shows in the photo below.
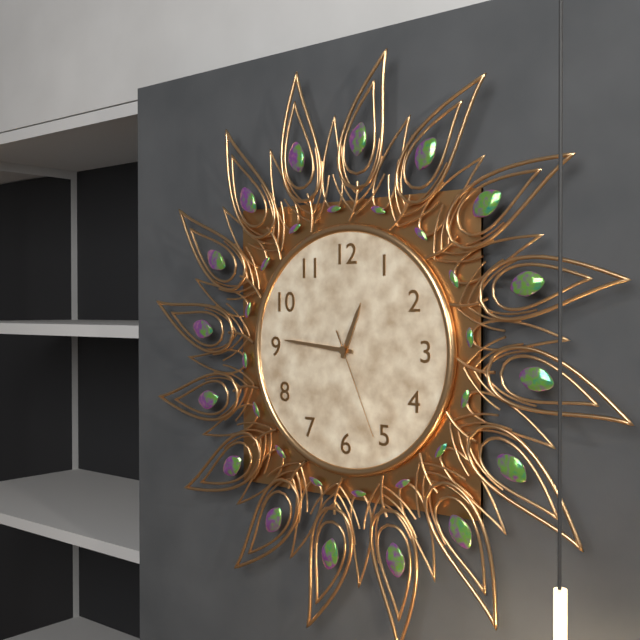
12:46:26
